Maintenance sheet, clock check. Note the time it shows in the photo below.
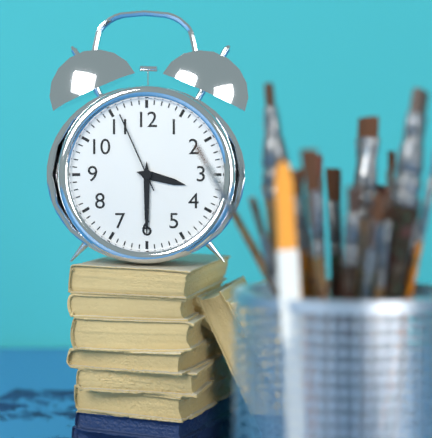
3:30:56
